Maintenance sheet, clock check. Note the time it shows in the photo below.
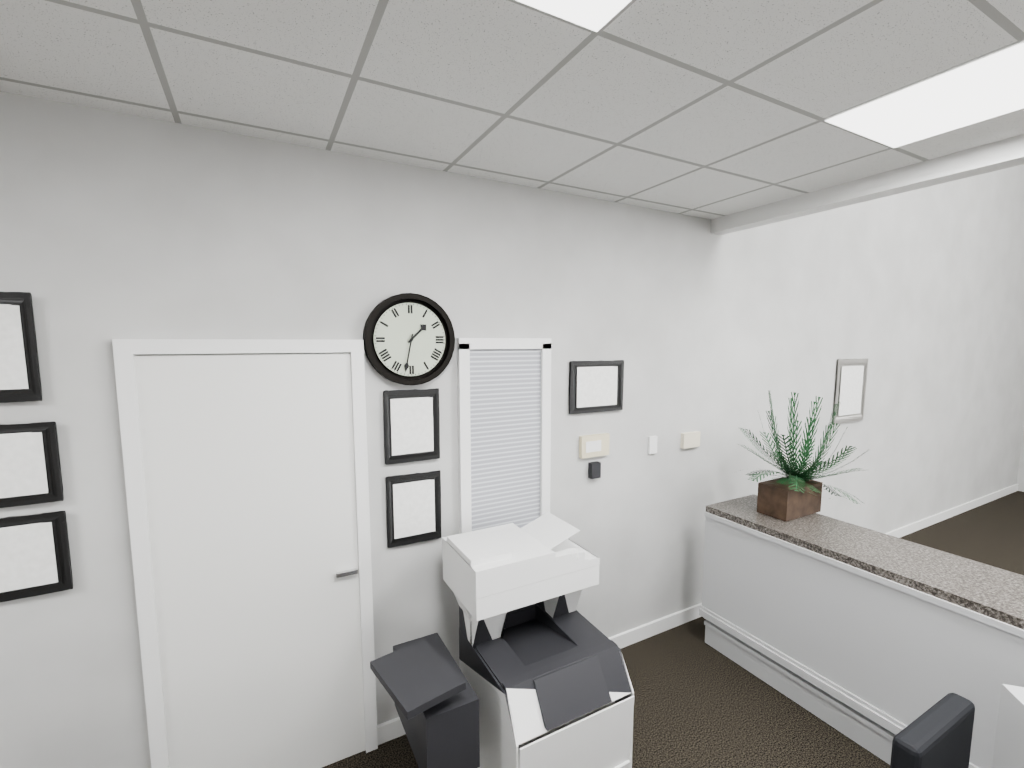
1:32
